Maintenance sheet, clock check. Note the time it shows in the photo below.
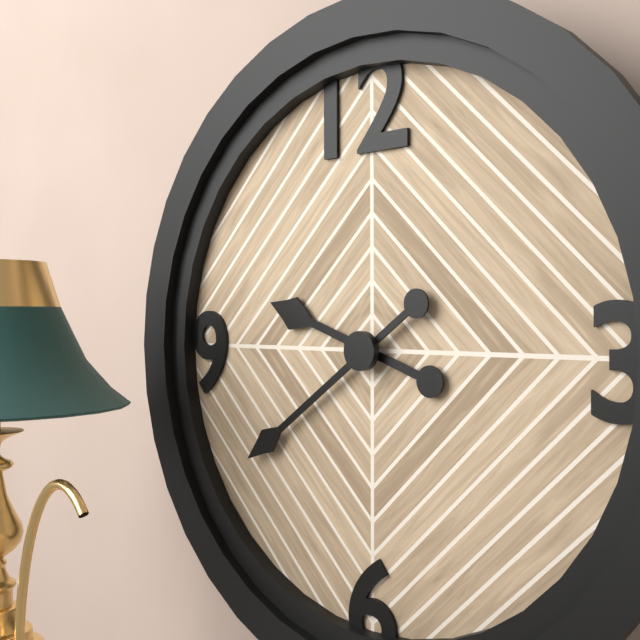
9:39
